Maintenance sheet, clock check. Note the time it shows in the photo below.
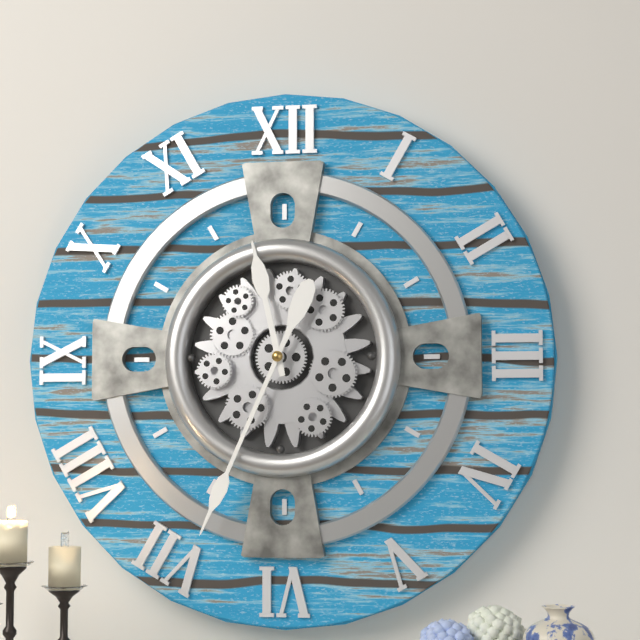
11:34
